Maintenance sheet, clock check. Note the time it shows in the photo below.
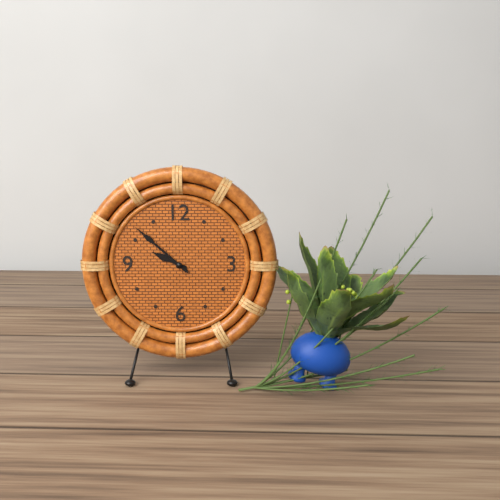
9:52
